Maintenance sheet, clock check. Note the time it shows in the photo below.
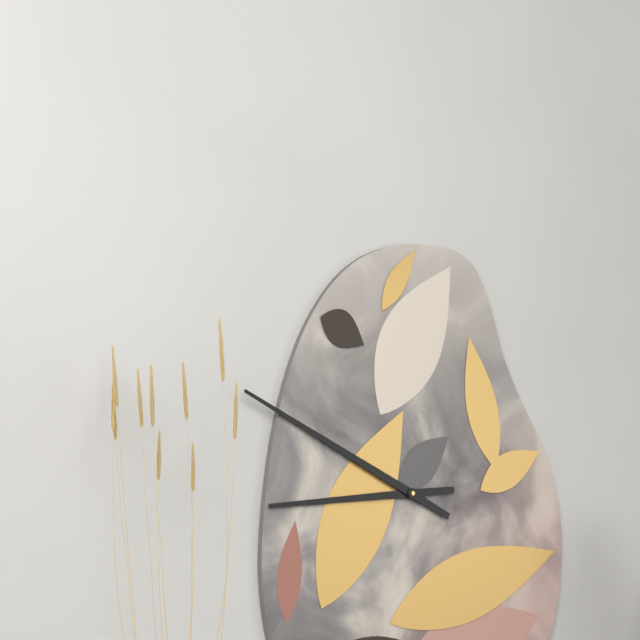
8:49
